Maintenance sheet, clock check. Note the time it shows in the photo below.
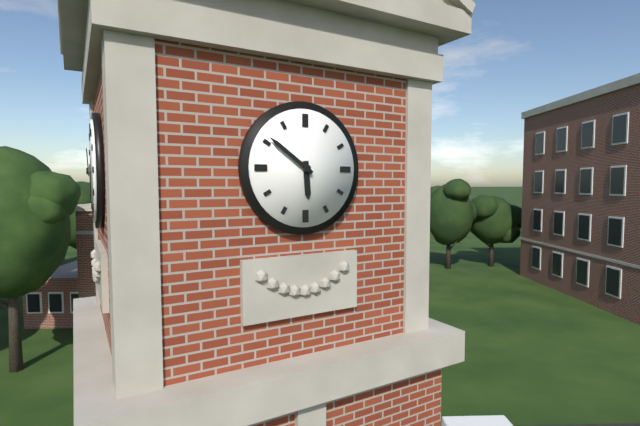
5:51
